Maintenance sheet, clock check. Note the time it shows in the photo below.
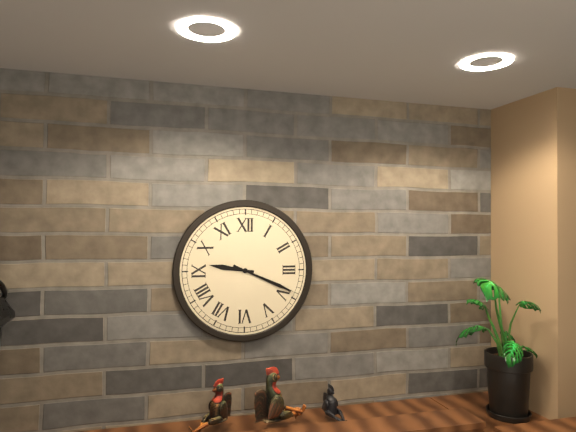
9:19
